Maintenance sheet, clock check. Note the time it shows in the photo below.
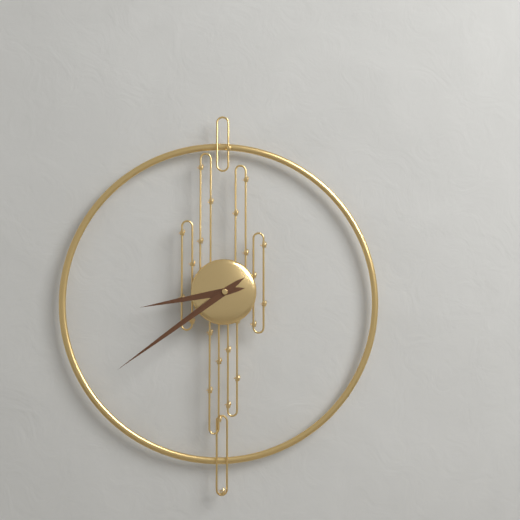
8:39
